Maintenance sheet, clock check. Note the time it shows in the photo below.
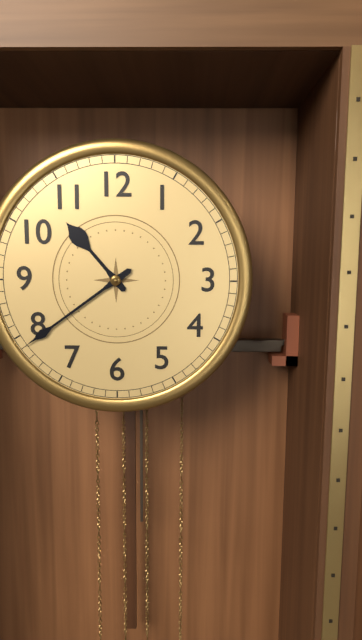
10:39
